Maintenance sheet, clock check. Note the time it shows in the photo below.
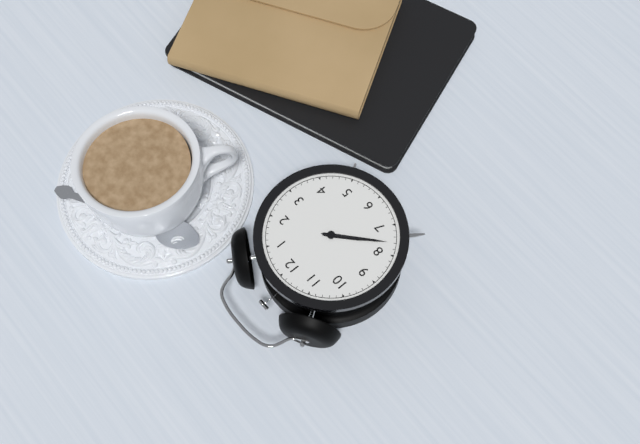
7:38
